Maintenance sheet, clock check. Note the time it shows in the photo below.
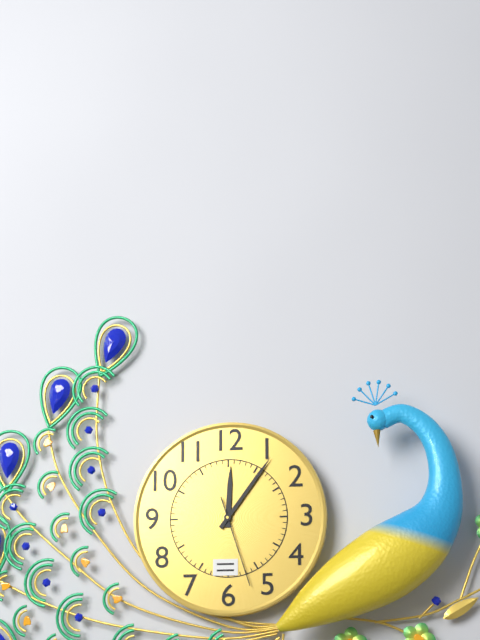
12:06:27
